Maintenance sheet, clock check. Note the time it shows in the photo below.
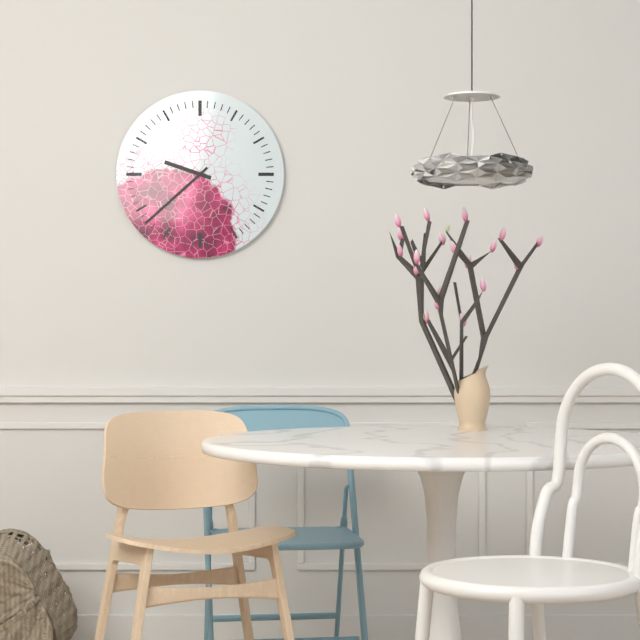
9:38
